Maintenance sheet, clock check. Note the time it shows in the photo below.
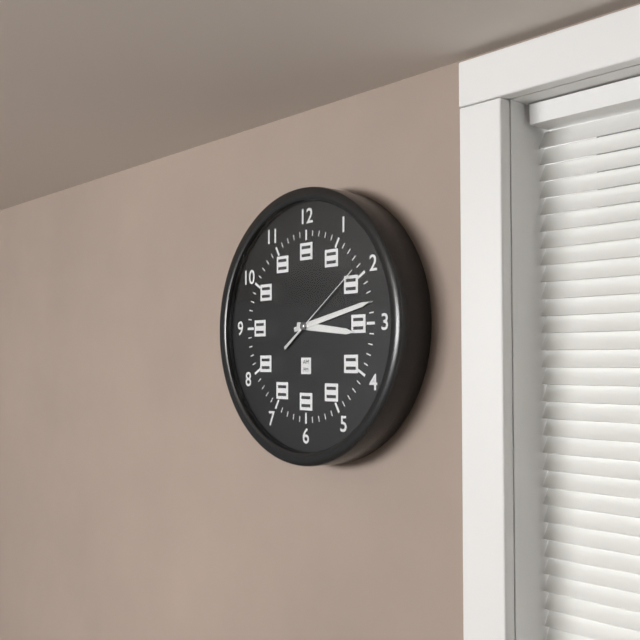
3:13:09
